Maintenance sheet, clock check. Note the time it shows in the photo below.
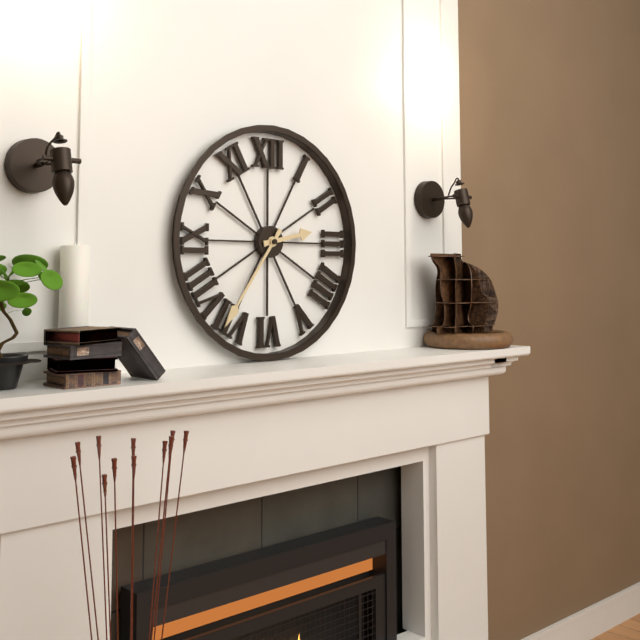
2:36
